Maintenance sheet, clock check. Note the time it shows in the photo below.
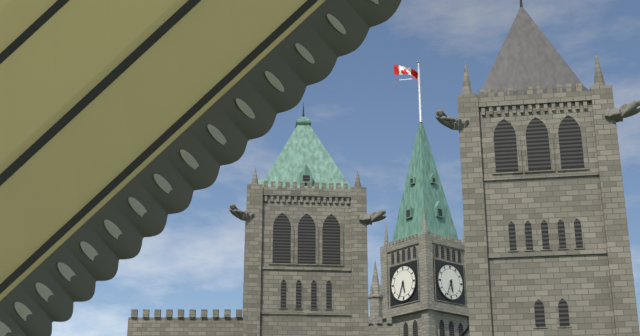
5:34
